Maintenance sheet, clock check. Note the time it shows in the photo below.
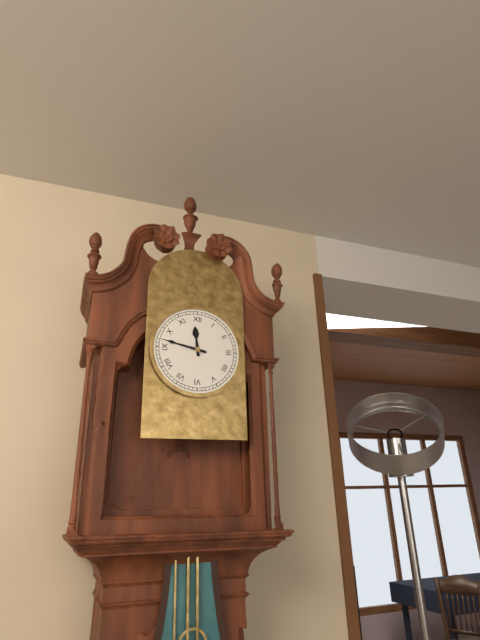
11:47
